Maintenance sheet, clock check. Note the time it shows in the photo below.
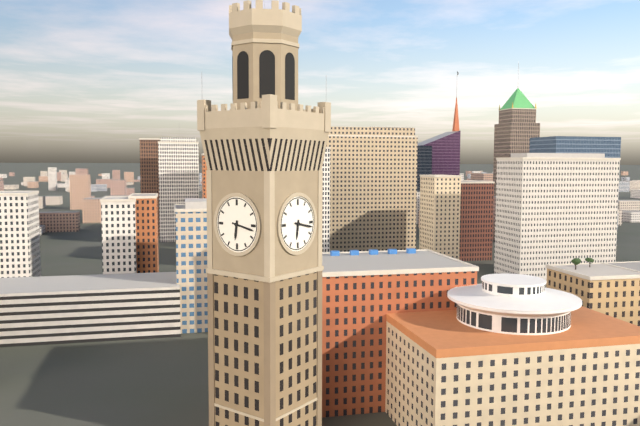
6:17
